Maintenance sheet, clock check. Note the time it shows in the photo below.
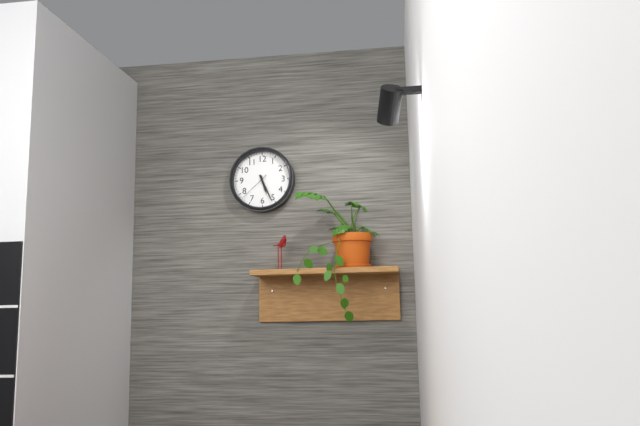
5:26
